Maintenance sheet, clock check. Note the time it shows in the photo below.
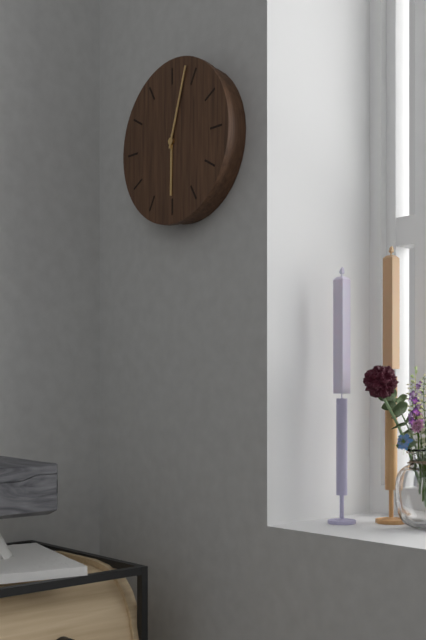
6:03
